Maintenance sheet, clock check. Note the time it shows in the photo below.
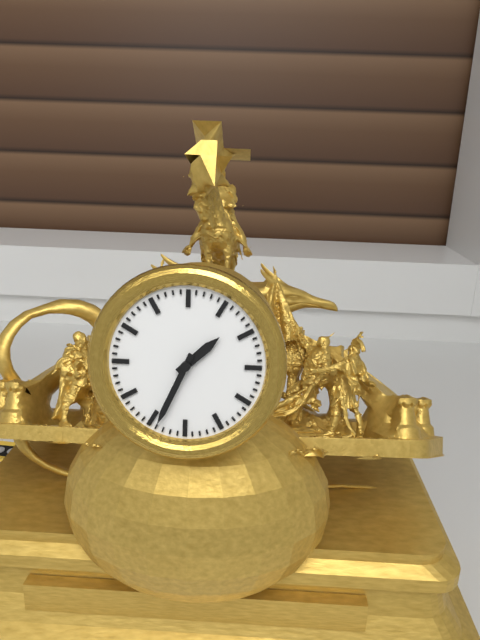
1:34
